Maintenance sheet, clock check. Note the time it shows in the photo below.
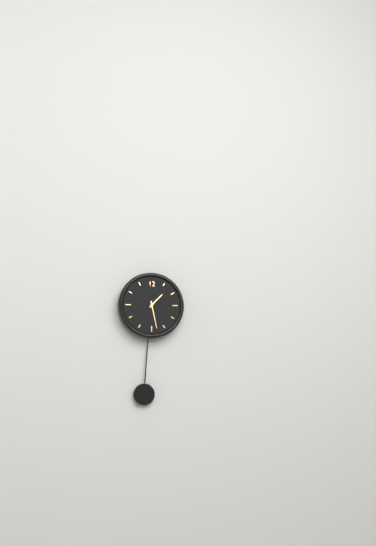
1:28
